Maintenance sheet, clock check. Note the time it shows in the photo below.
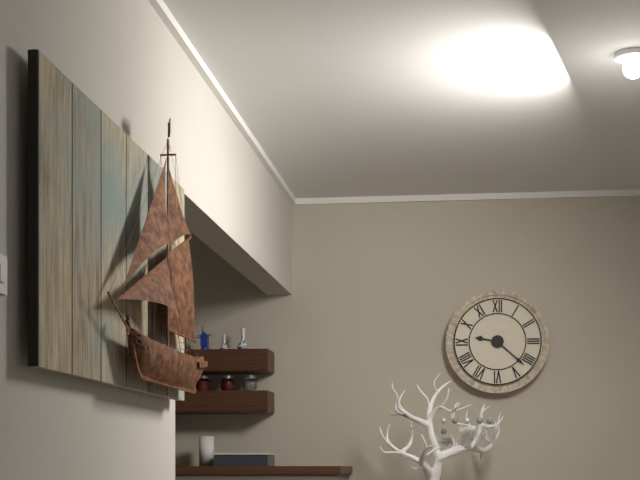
9:22
